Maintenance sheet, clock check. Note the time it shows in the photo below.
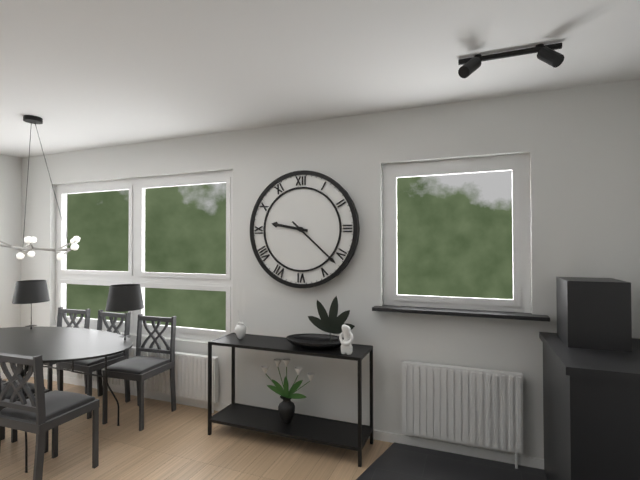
9:22
